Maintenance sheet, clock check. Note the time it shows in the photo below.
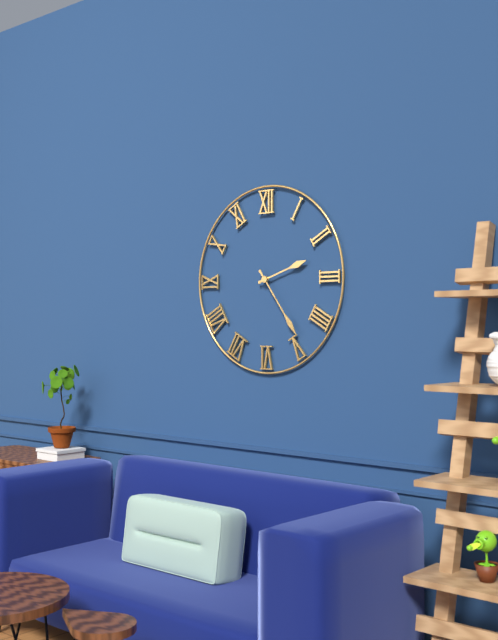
2:24
